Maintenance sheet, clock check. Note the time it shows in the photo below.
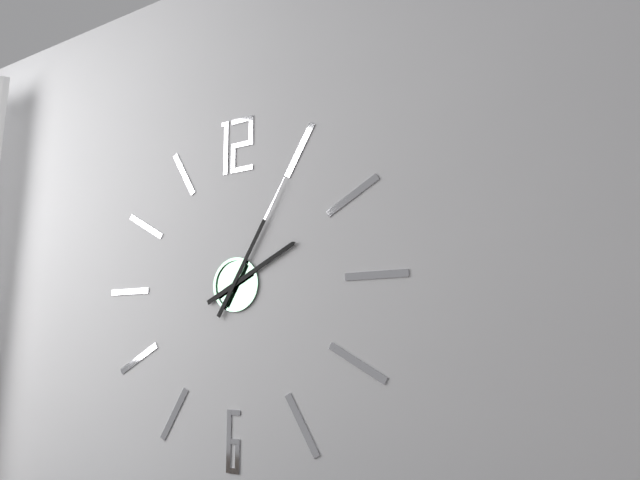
2:05
